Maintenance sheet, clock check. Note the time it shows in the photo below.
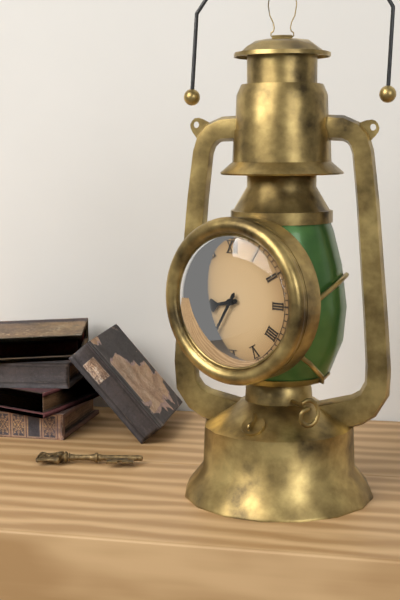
8:35
